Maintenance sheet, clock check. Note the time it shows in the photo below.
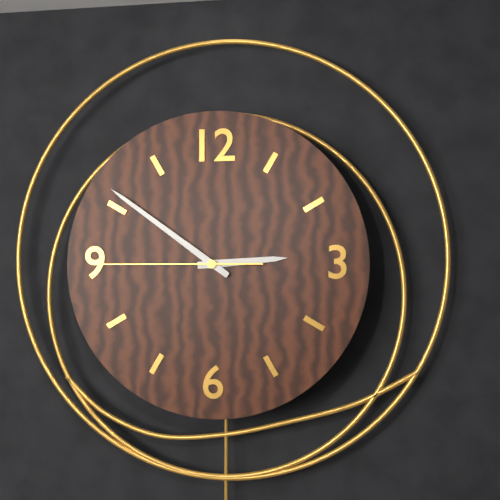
2:51:45
